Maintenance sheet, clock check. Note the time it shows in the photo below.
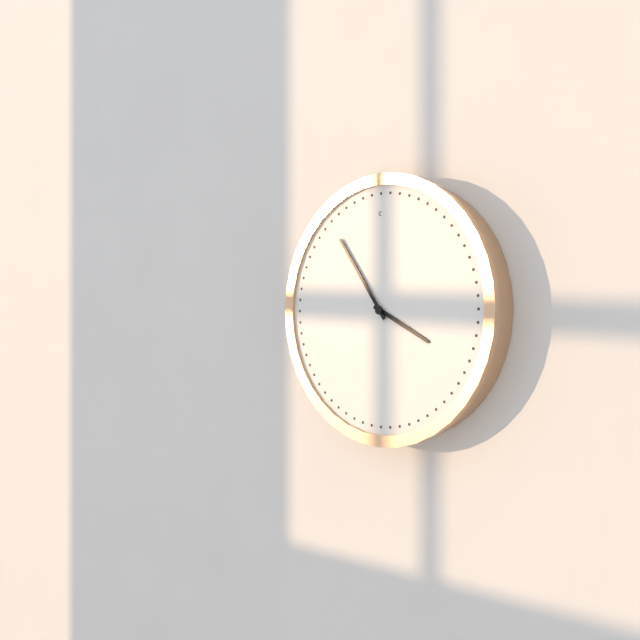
3:54
